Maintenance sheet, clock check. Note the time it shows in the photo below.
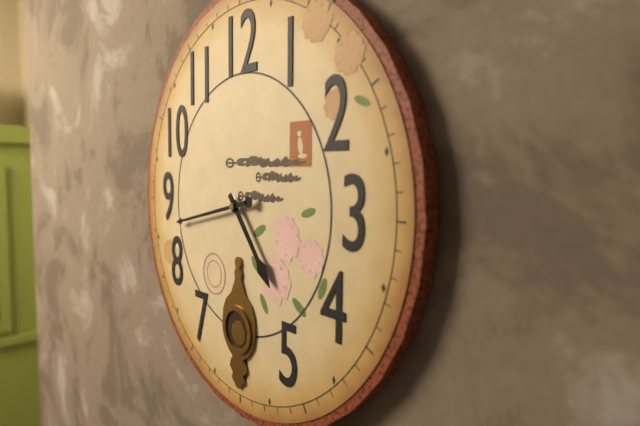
4:43
